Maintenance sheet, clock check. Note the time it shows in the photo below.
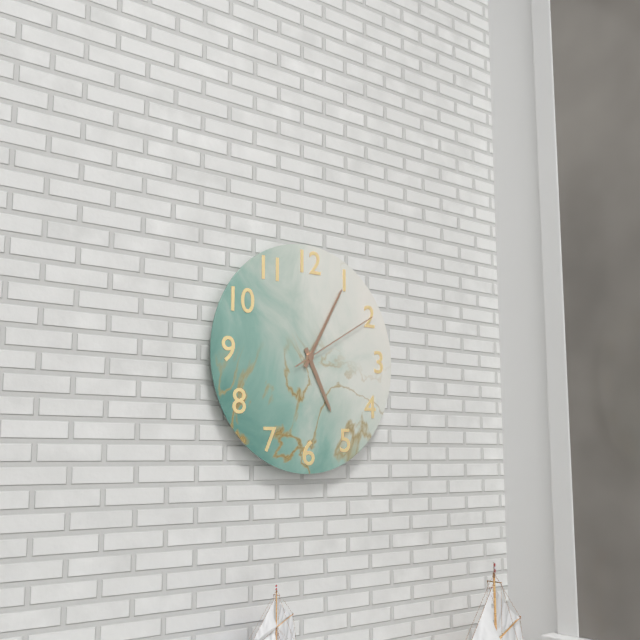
5:05:10
